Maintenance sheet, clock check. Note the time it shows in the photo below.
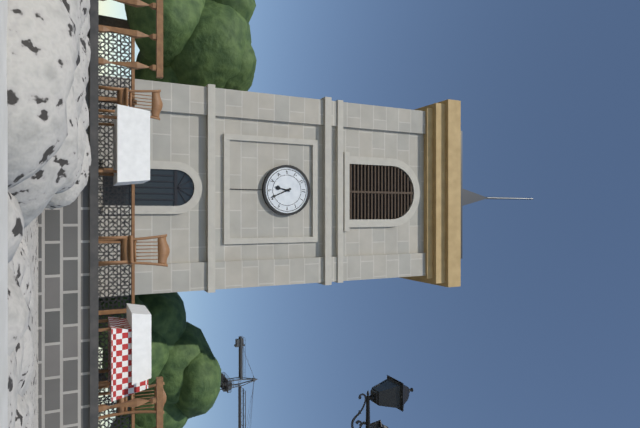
6:26
